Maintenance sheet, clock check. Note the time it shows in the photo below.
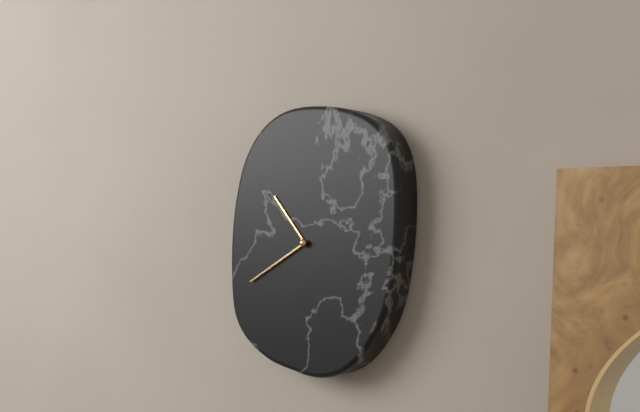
10:40
